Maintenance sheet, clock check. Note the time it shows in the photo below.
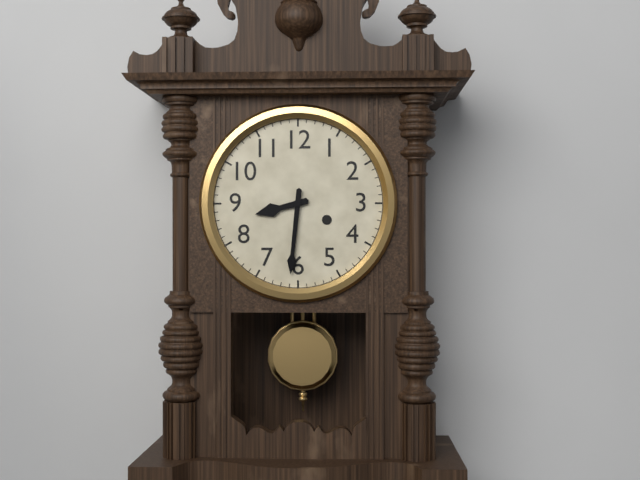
8:31
